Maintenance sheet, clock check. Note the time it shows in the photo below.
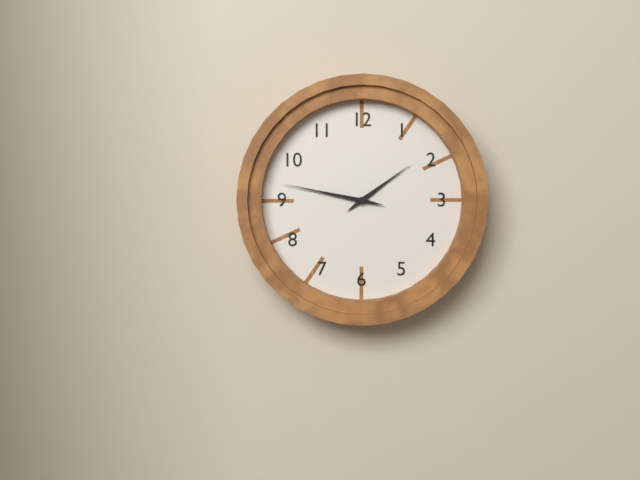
1:47
